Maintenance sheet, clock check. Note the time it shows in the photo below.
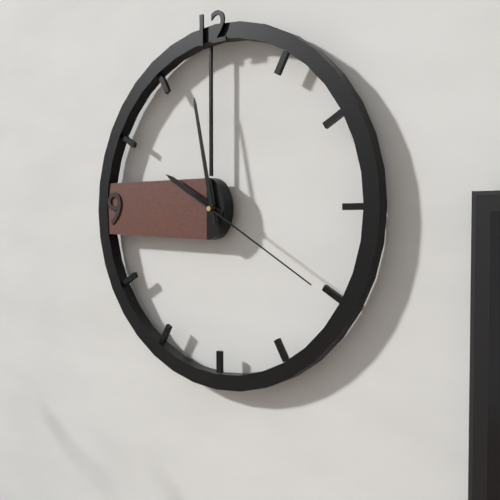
9:58:20
